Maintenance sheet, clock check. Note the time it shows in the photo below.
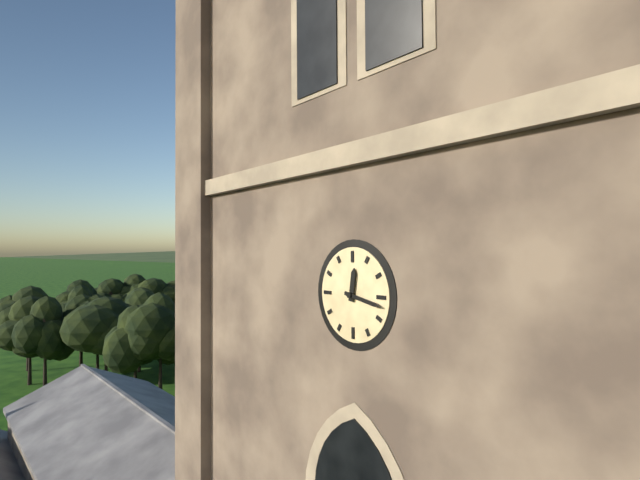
12:17
